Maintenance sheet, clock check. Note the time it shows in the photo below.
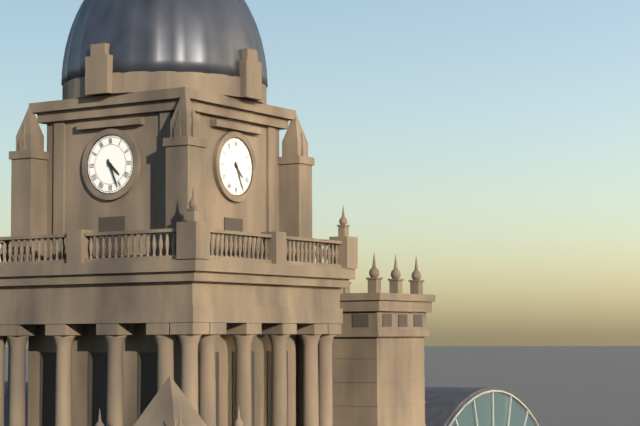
4:26
